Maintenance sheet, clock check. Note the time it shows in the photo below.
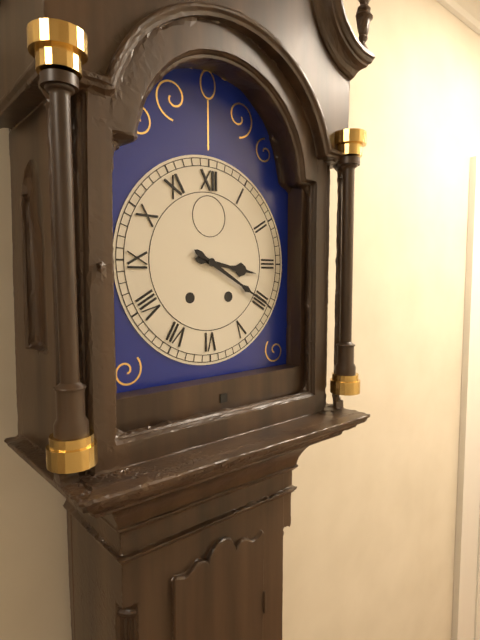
3:20
